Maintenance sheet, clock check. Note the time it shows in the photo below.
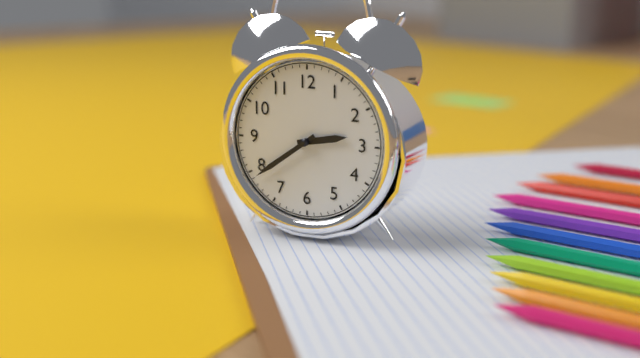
2:39
